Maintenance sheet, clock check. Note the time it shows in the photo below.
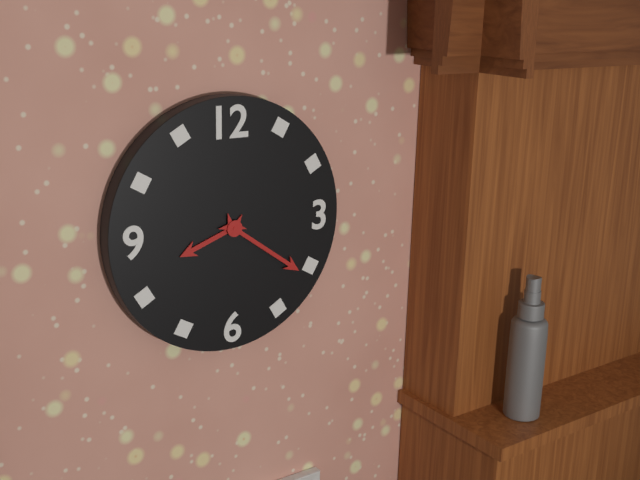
8:21
